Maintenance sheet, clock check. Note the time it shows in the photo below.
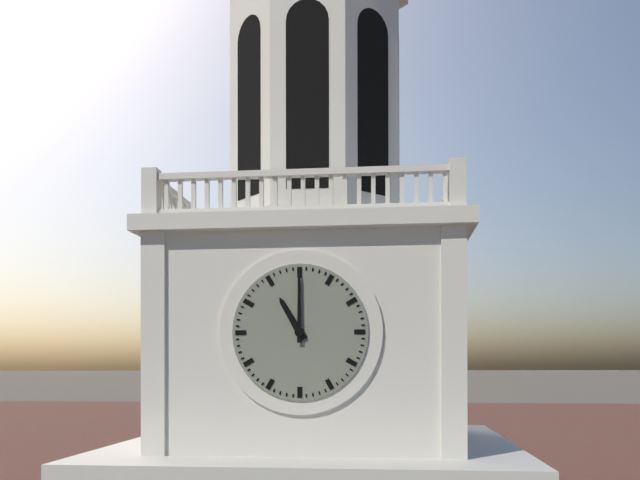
11:00
